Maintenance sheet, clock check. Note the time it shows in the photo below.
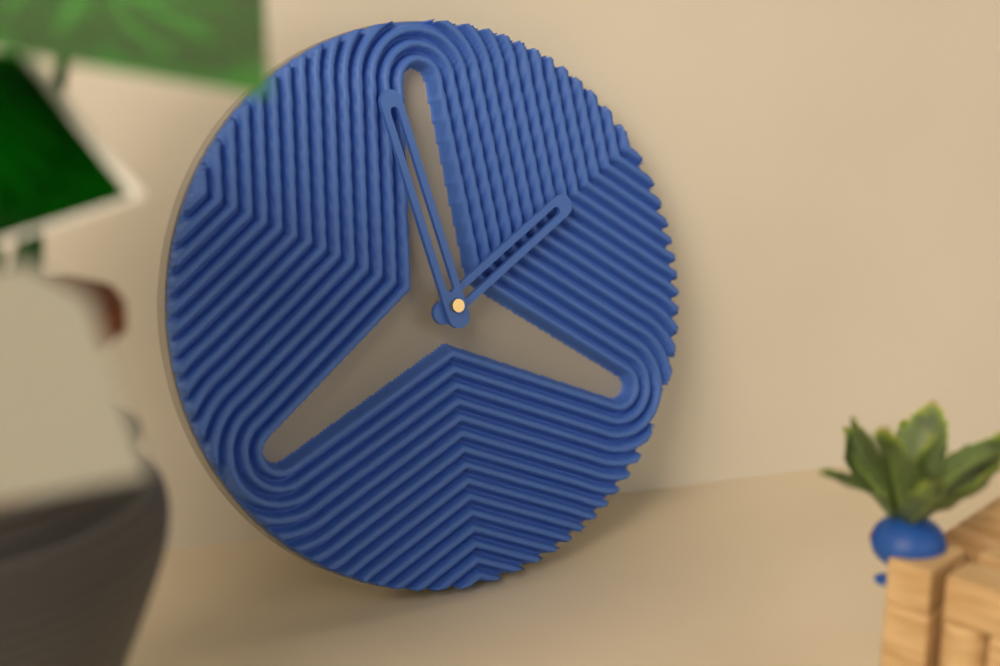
1:58
